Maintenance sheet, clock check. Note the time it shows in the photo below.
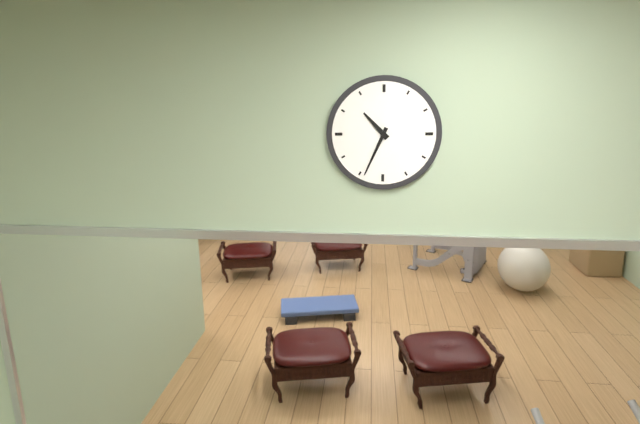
10:34
